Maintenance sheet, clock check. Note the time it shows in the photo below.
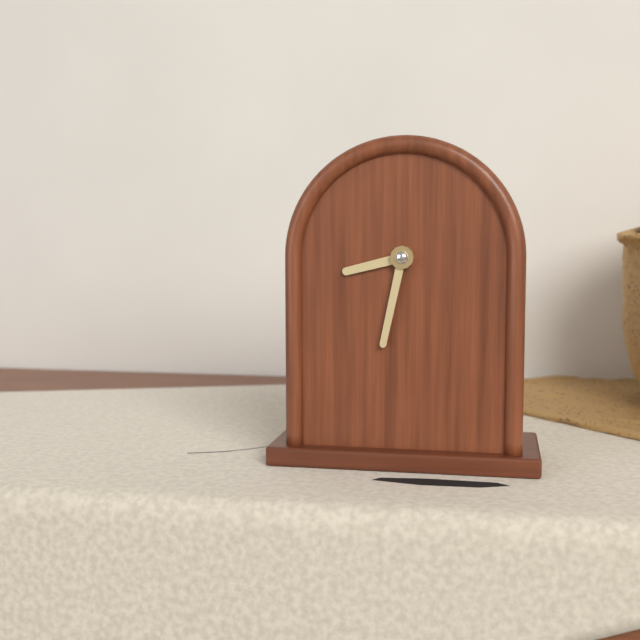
8:32
